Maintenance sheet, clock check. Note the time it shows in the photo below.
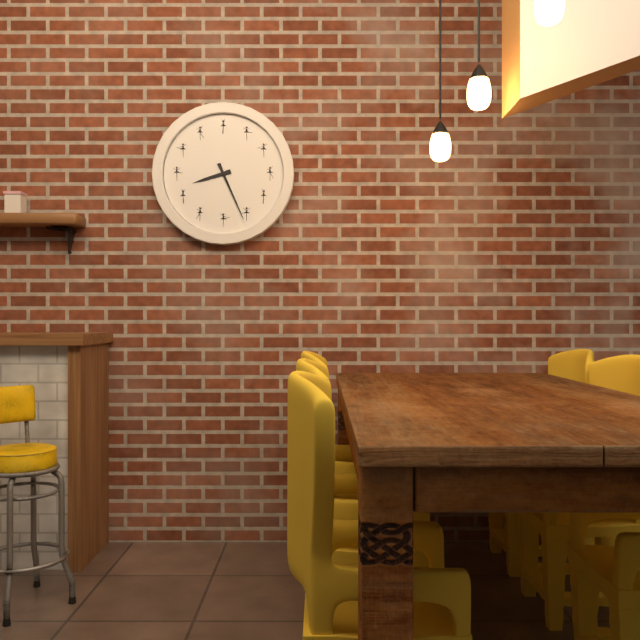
8:26
